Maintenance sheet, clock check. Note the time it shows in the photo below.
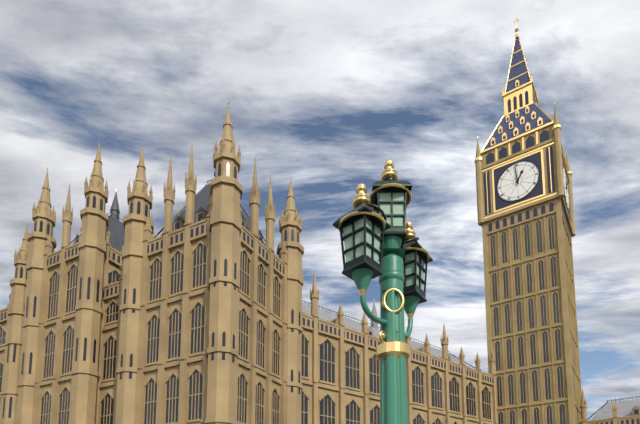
12:59
